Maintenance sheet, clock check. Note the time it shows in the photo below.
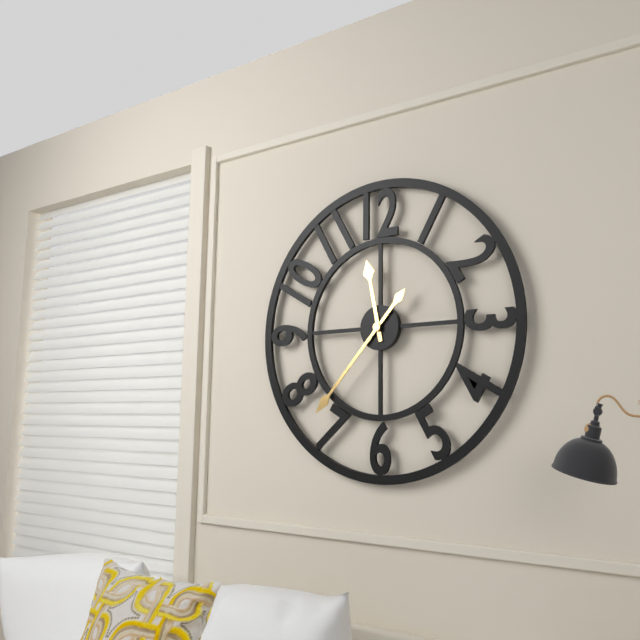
11:37
